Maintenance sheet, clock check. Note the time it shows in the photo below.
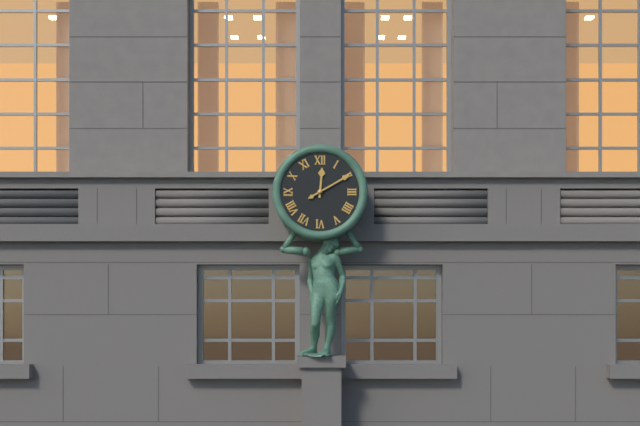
12:10
